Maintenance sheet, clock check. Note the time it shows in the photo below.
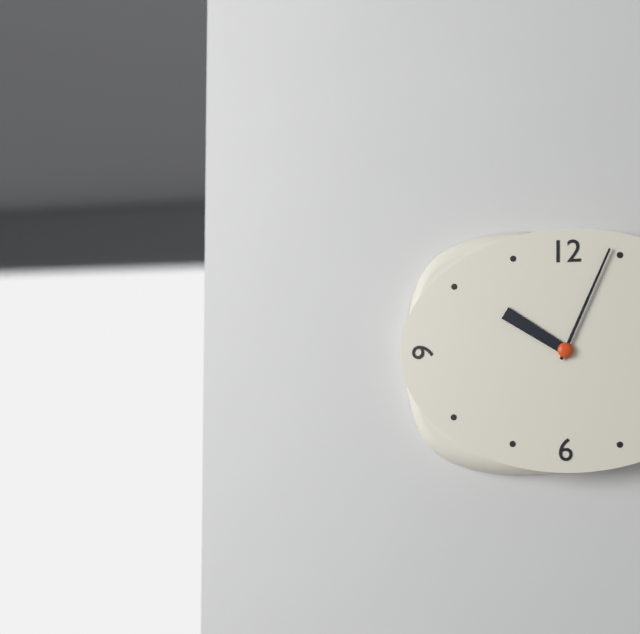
10:04
